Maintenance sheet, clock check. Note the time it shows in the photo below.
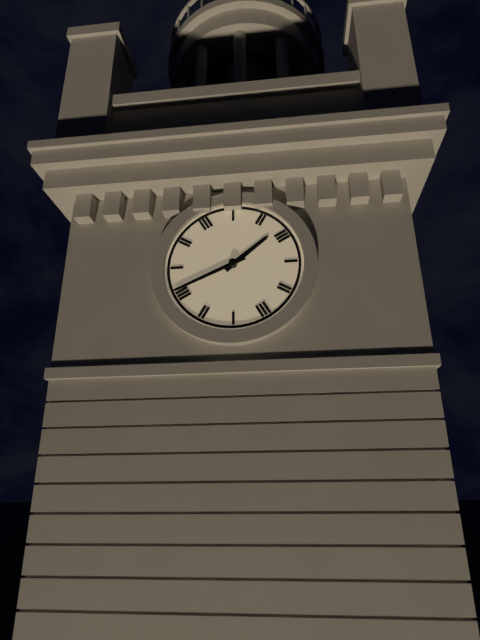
1:41
